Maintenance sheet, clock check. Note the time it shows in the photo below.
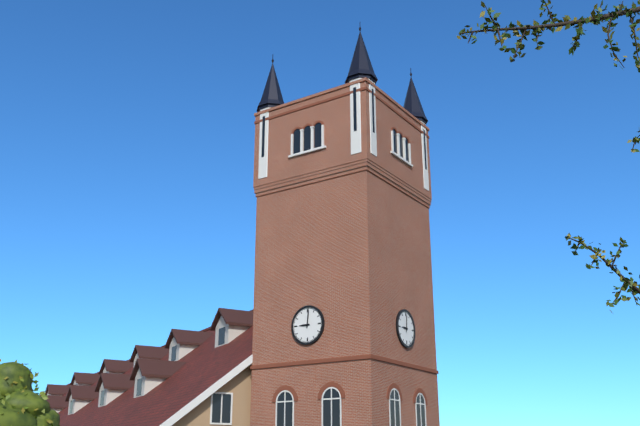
9:01
